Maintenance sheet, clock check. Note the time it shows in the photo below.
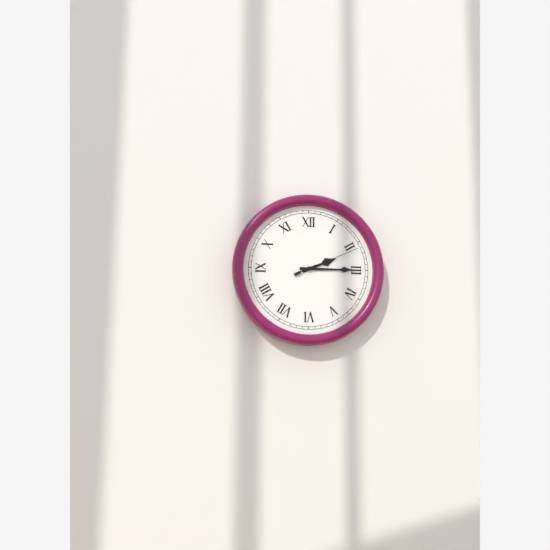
2:15:11
